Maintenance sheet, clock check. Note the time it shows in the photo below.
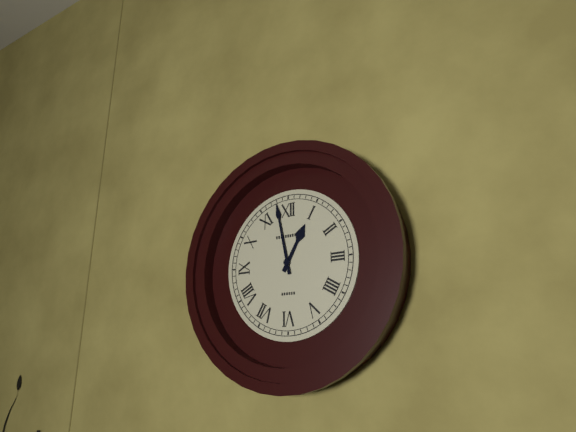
12:58
